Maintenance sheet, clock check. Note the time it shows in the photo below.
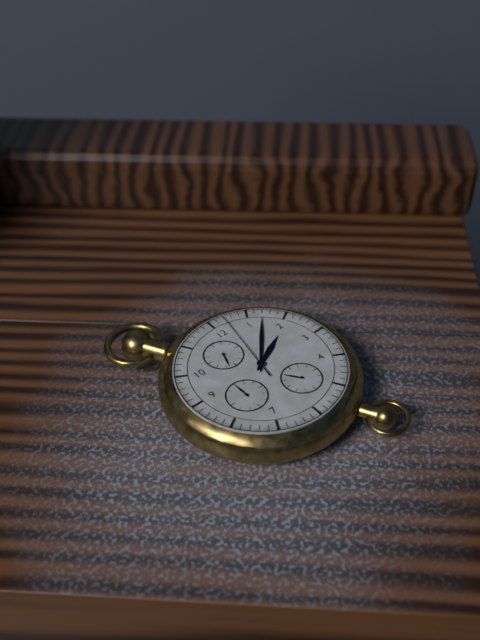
2:07:02
